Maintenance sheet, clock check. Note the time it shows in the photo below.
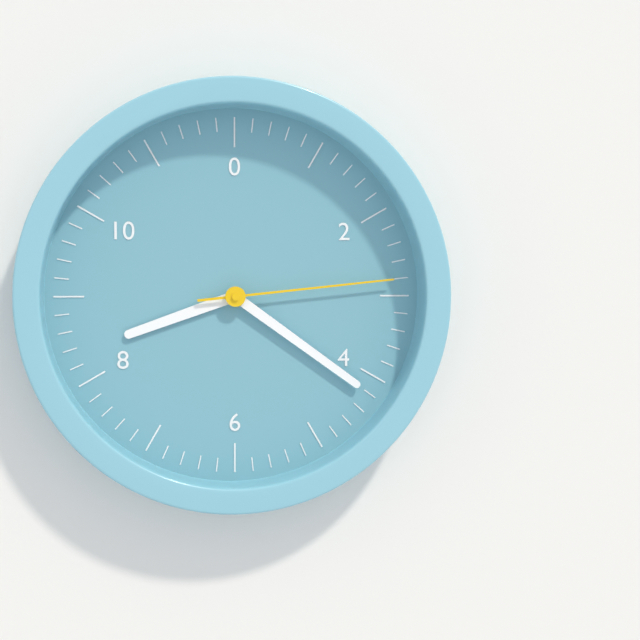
8:21:14
